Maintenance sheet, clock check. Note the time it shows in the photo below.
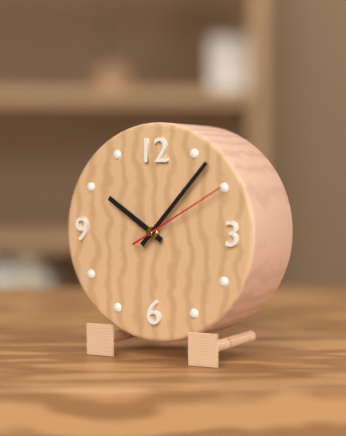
10:07:10
